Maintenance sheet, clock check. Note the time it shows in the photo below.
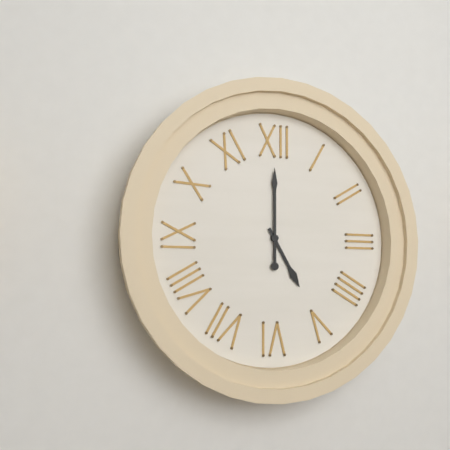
5:00
